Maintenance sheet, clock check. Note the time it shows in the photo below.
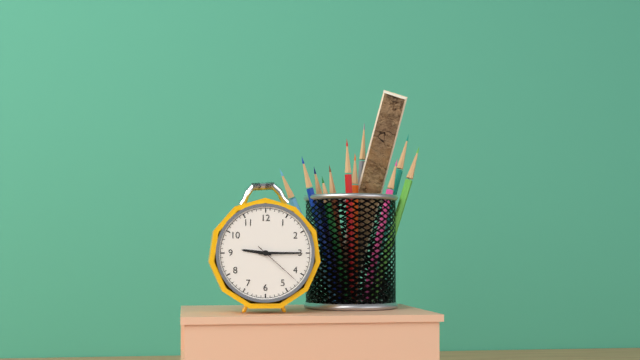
9:15:22
